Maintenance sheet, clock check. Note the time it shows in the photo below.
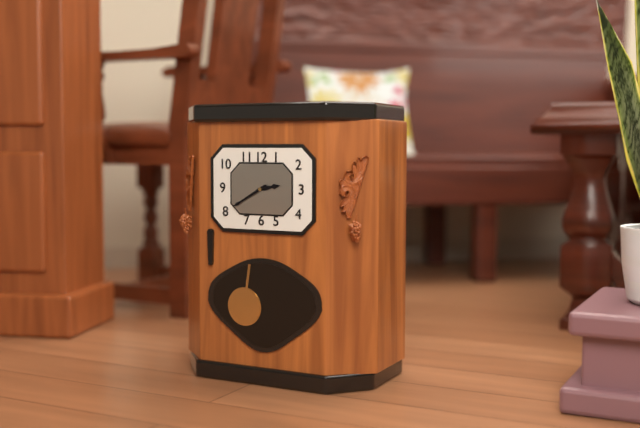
2:40
